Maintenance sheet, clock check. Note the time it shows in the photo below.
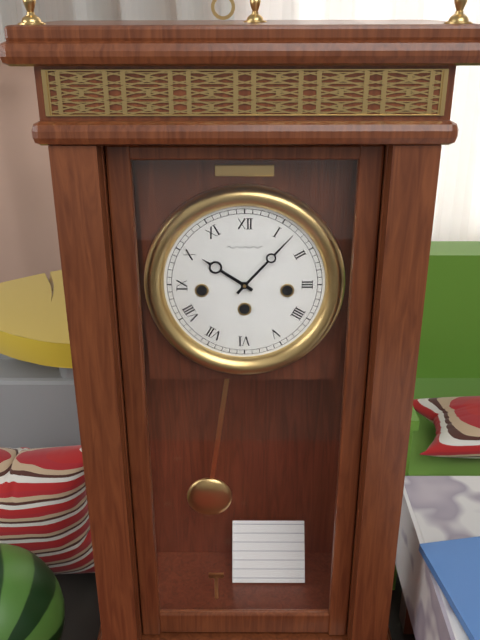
10:07
